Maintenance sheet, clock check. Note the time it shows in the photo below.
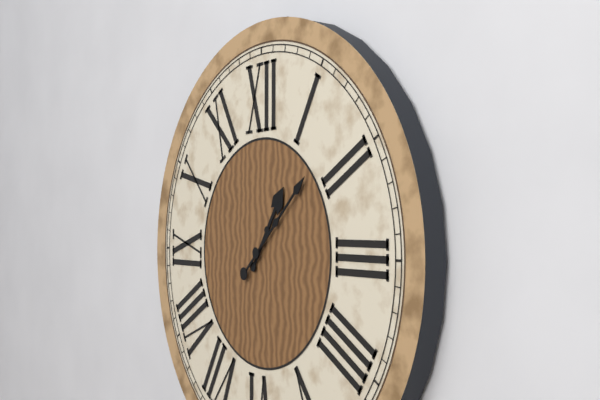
1:08
